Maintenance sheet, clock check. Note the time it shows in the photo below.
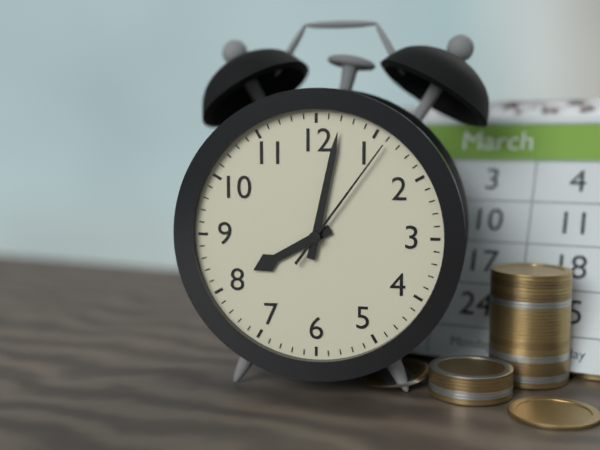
8:02:06
